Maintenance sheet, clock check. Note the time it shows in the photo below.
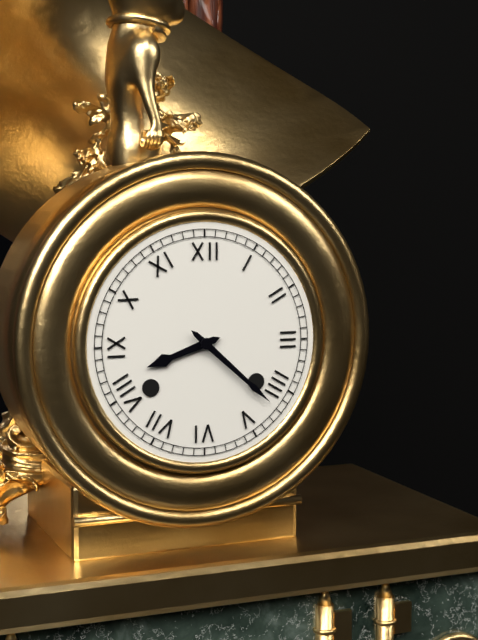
8:22
